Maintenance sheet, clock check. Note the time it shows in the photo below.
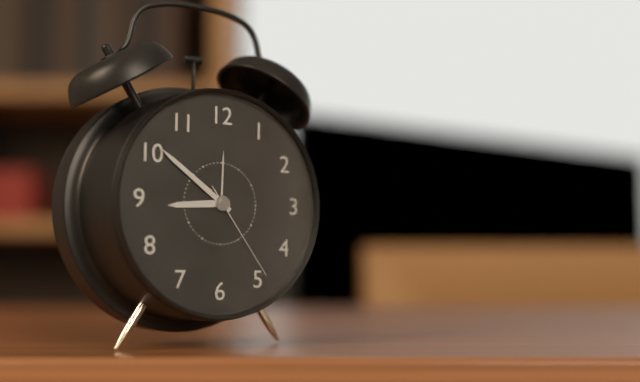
8:51:24
